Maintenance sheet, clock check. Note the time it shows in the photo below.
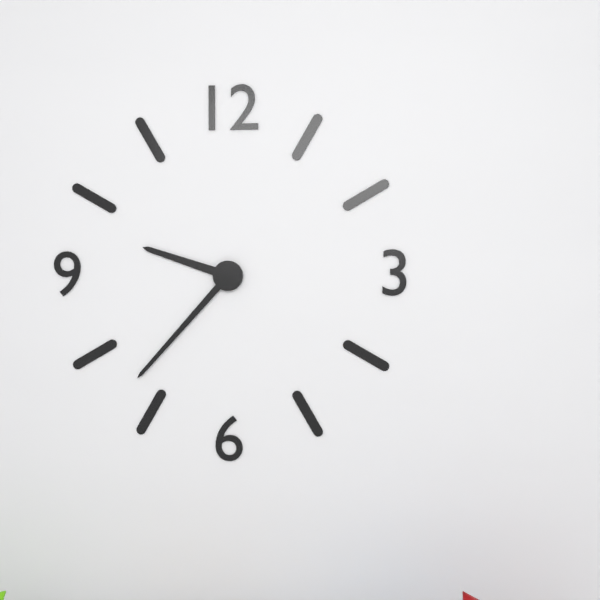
9:37
